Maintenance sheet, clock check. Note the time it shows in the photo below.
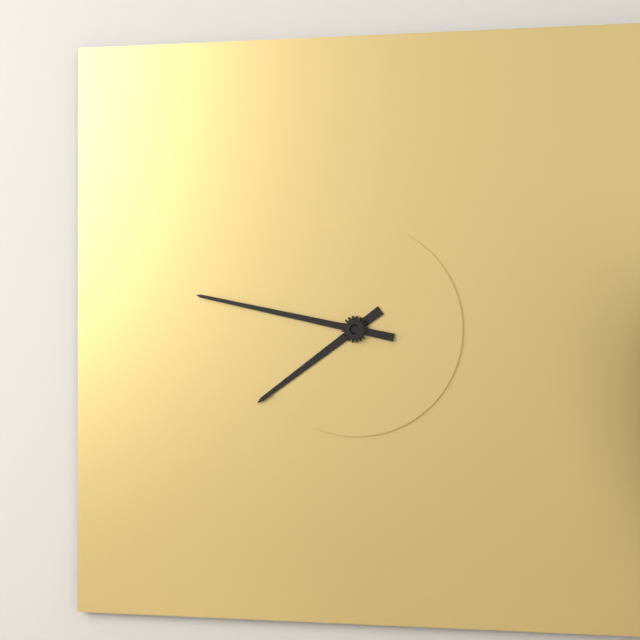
7:47
